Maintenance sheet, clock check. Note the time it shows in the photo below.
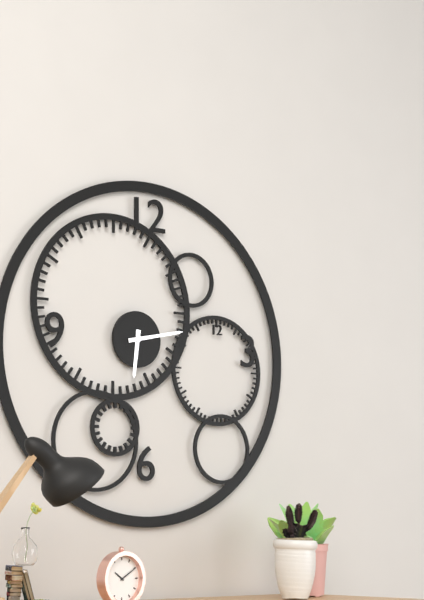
6:13
